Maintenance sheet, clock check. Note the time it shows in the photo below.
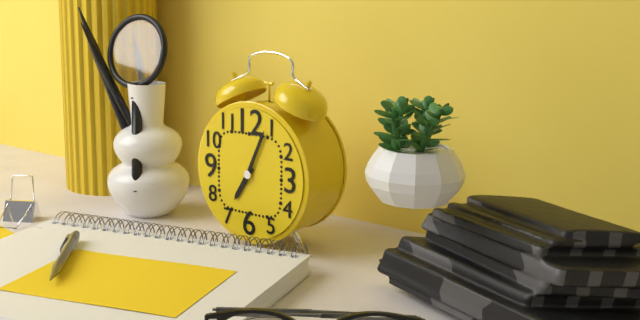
7:04
